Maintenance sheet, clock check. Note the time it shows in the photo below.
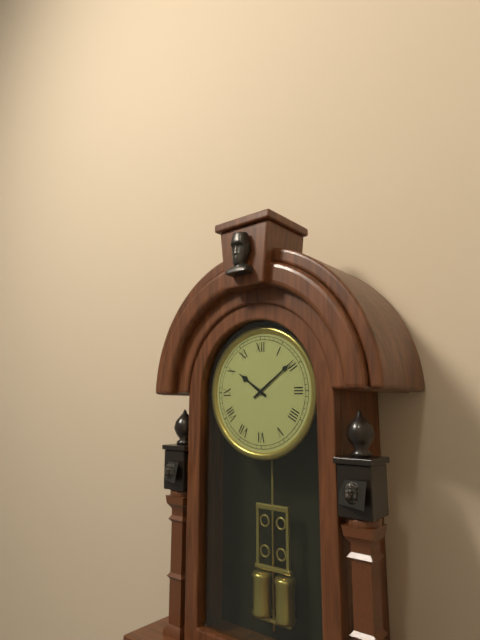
10:09
